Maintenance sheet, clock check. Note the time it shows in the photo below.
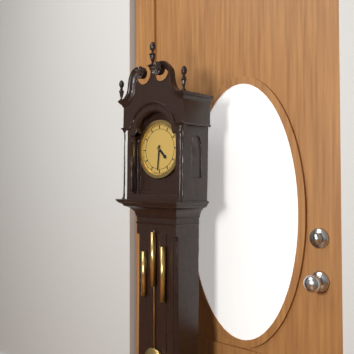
4:31
